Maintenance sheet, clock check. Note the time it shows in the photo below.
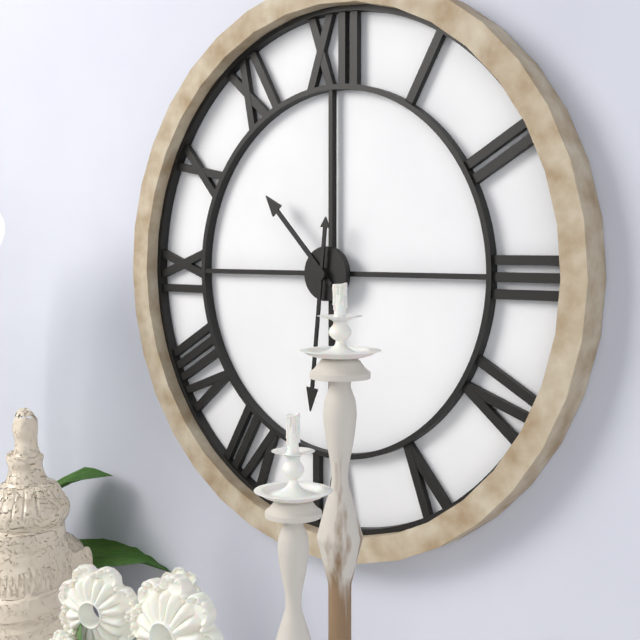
10:31
